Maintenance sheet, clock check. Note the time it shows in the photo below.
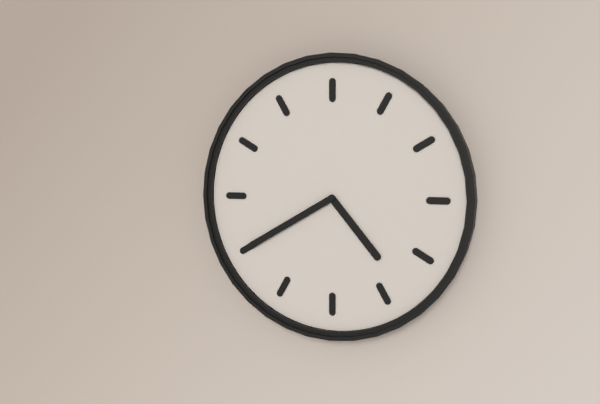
4:40
